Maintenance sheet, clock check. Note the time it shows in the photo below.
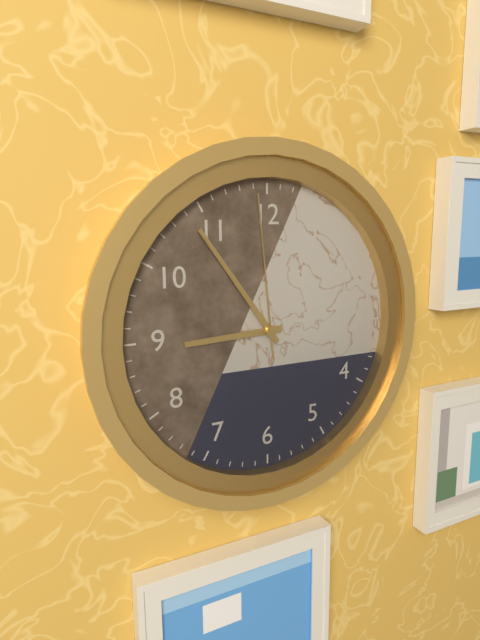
8:54:59
